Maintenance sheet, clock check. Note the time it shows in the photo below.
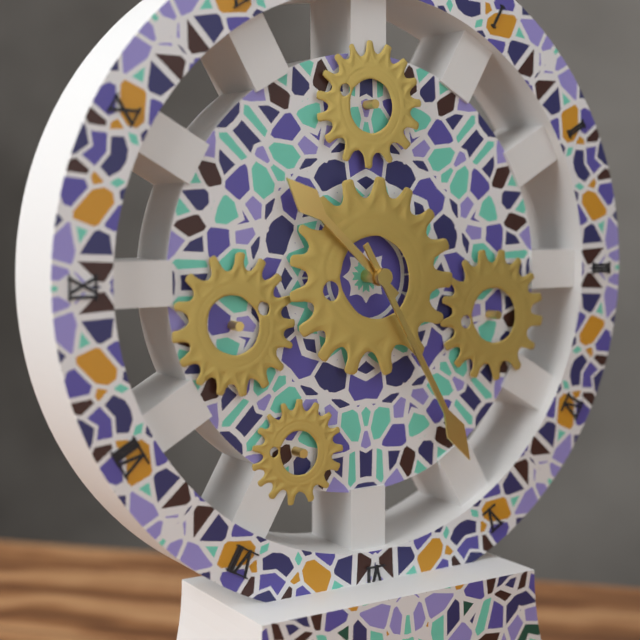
10:25
